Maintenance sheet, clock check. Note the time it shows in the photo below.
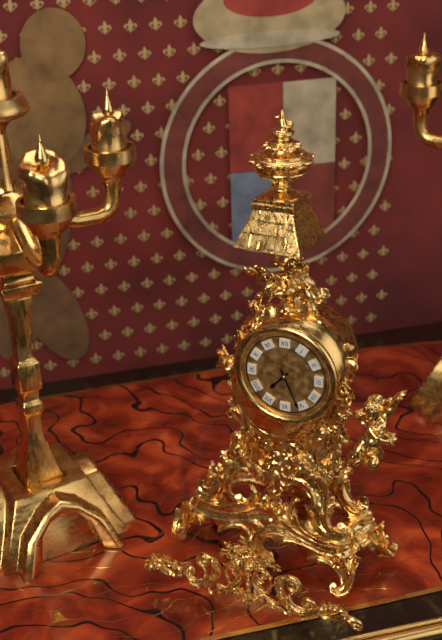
7:26
